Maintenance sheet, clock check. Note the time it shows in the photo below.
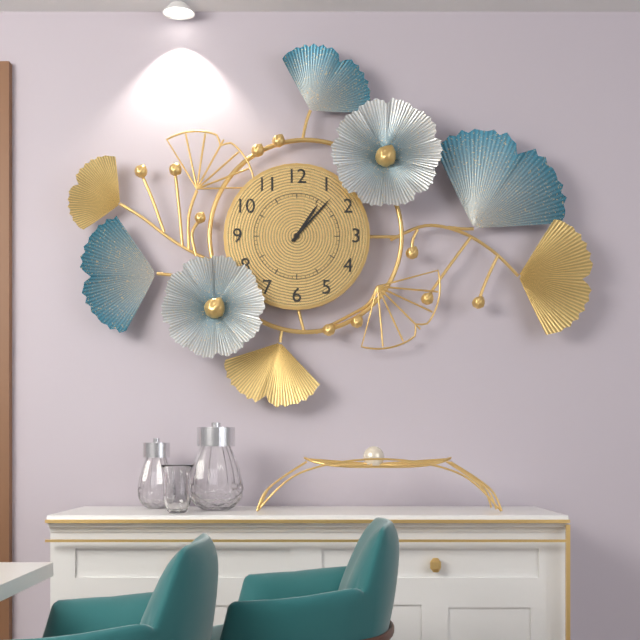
1:07
